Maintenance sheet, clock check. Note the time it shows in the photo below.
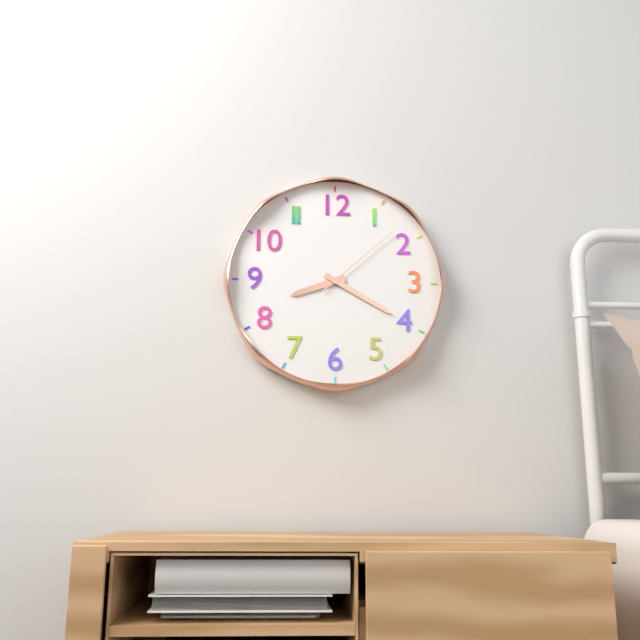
8:20:08
